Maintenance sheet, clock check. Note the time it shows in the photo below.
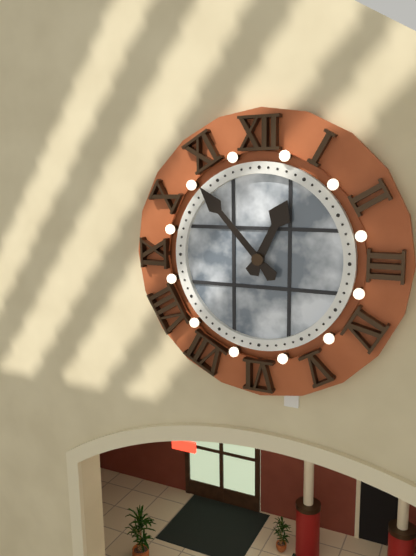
12:53
